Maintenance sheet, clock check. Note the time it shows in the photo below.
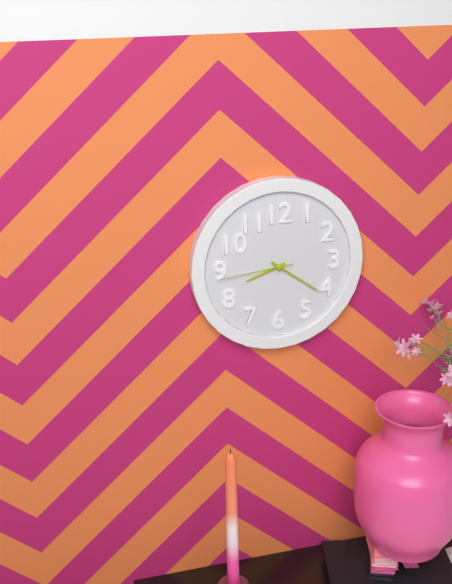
8:21:44
